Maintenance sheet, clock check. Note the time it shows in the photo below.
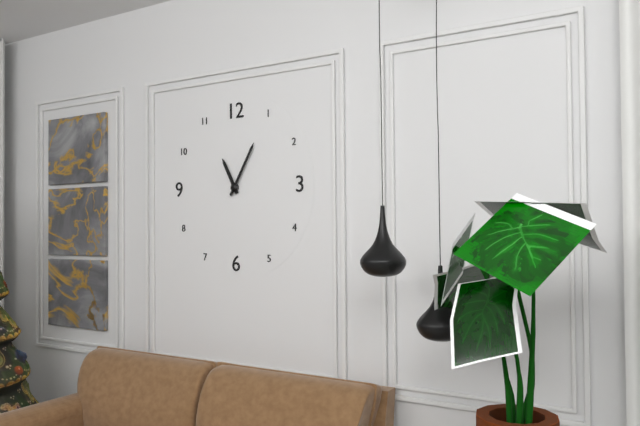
11:05
